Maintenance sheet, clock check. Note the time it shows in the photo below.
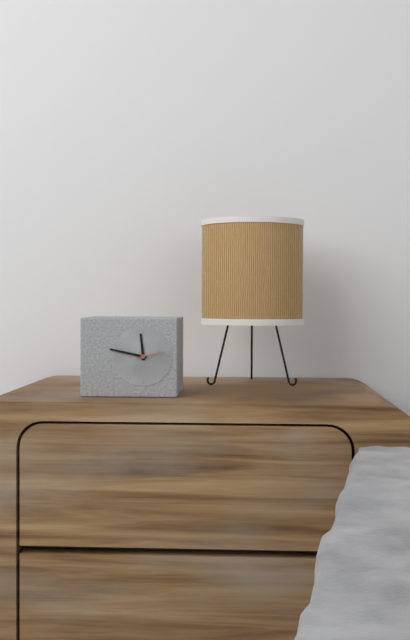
11:47
